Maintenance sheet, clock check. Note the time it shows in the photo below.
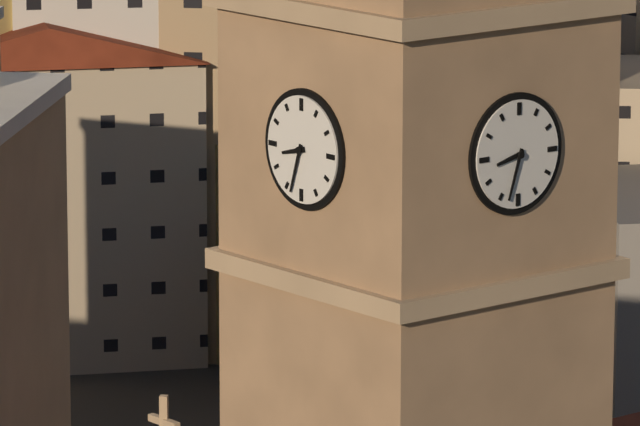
8:33
